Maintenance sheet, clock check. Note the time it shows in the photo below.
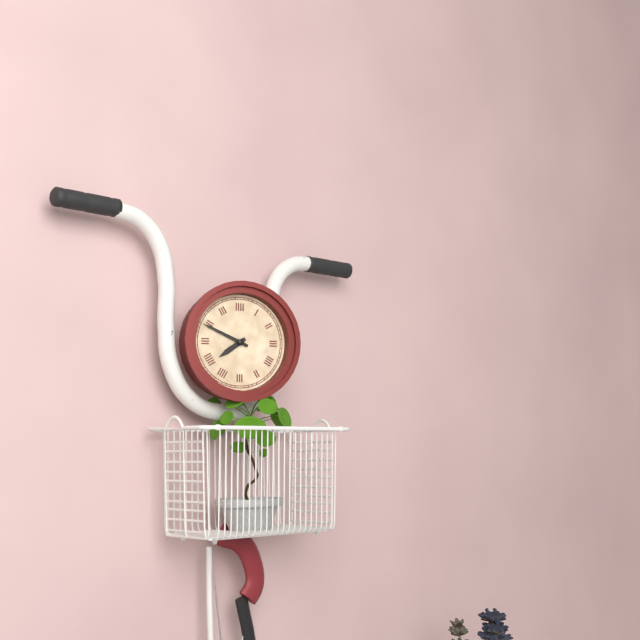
7:49
